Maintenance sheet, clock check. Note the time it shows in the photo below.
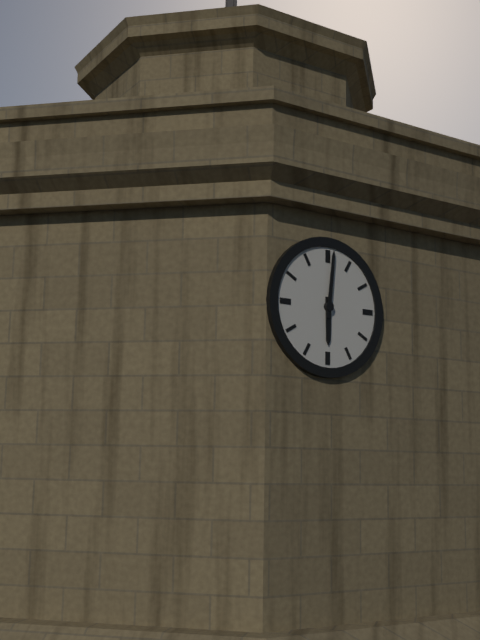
6:01
